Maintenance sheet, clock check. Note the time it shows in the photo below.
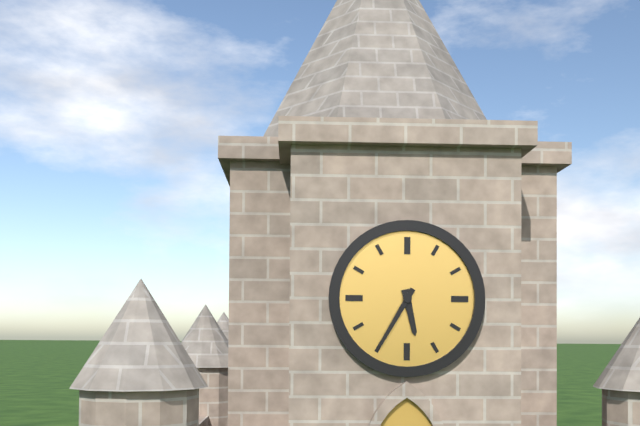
5:35
